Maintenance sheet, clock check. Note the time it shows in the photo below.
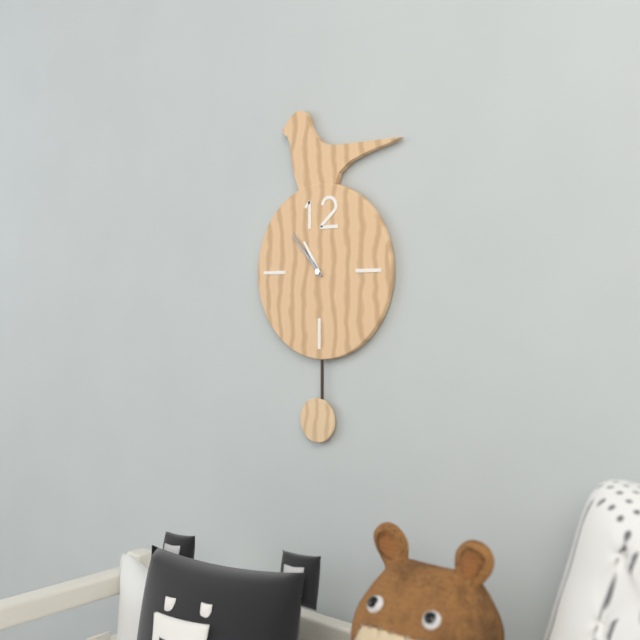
10:53
